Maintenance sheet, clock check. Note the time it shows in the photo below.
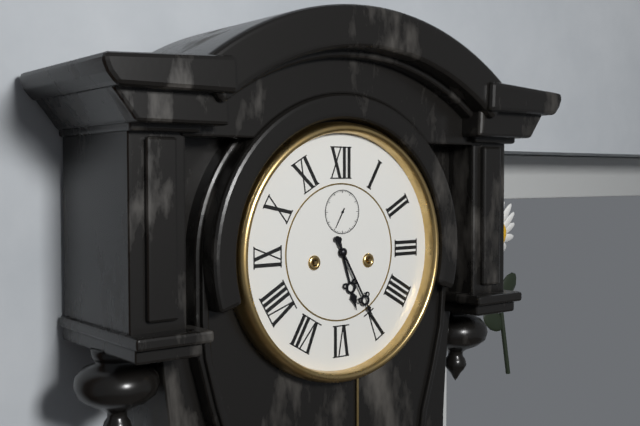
5:25
